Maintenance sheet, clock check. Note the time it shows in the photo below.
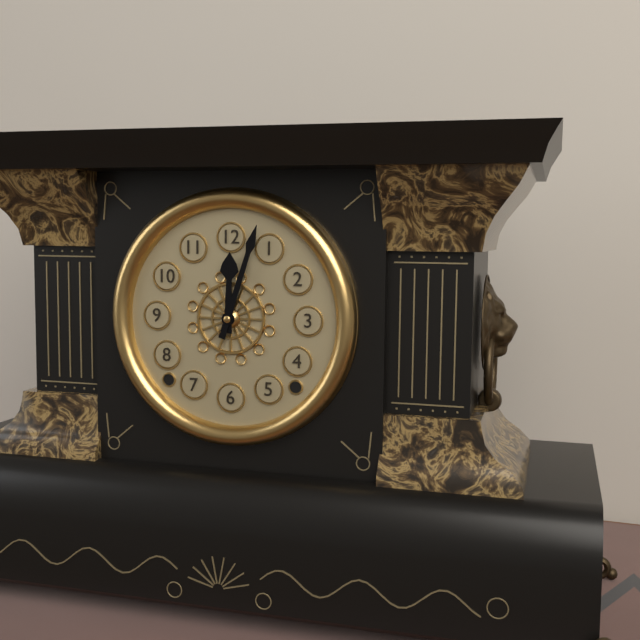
12:03
